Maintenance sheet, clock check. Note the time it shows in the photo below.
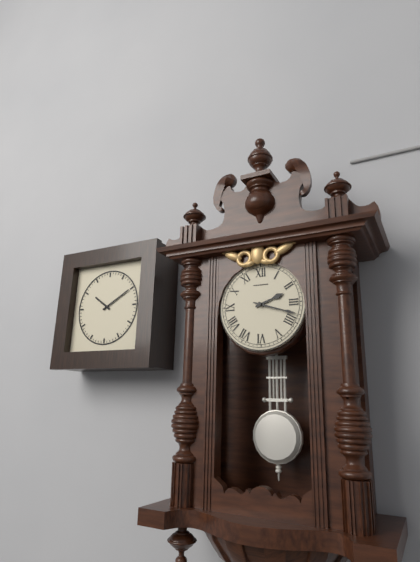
2:18
